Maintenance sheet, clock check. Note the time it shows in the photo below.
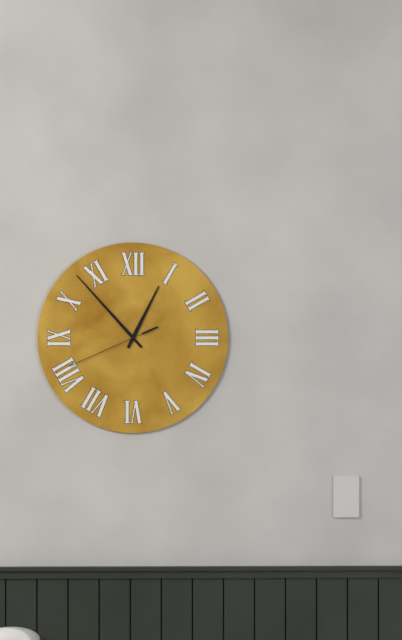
12:53:41
